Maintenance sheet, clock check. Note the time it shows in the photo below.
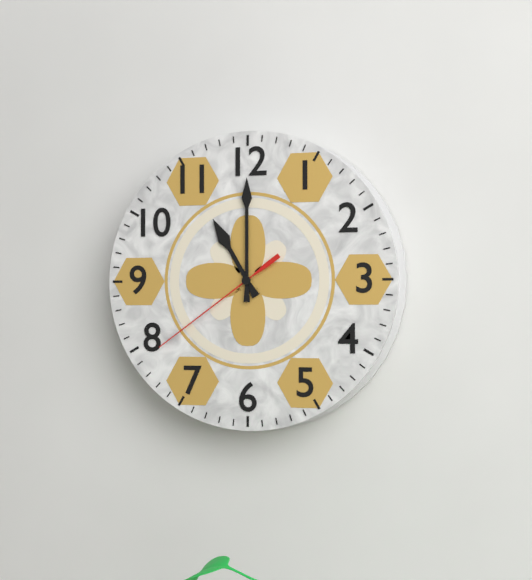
11:00:39
